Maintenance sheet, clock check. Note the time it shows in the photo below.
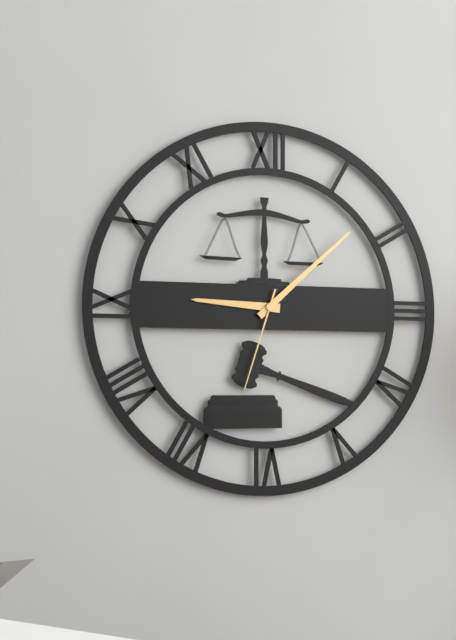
9:08:33
